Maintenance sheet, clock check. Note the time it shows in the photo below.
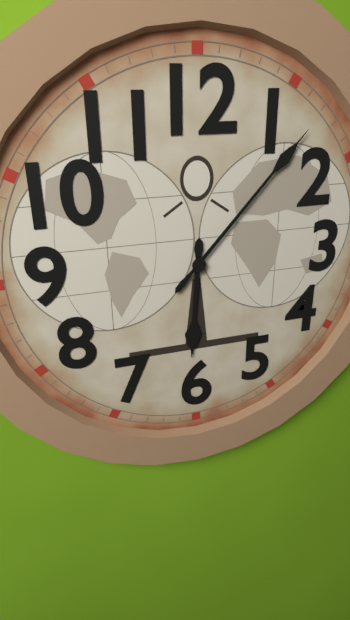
6:07
